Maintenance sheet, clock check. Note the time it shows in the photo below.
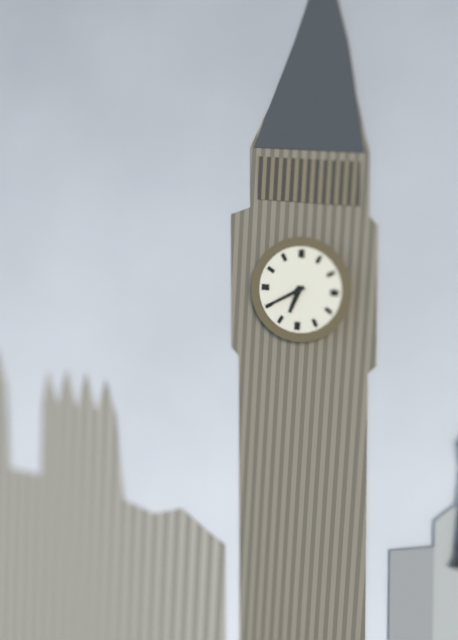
6:40
